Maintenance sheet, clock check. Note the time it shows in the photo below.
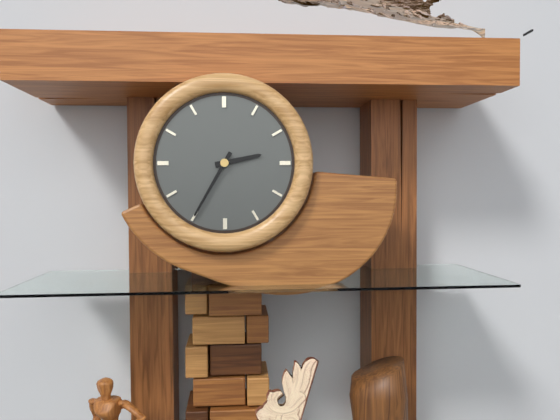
2:35
